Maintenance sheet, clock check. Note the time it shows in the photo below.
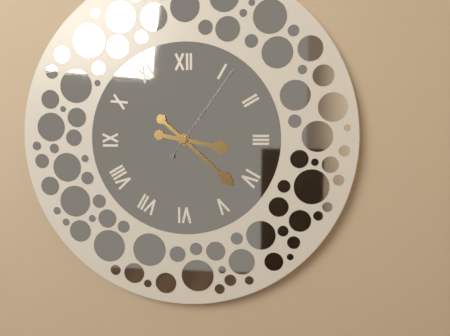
3:22:06
